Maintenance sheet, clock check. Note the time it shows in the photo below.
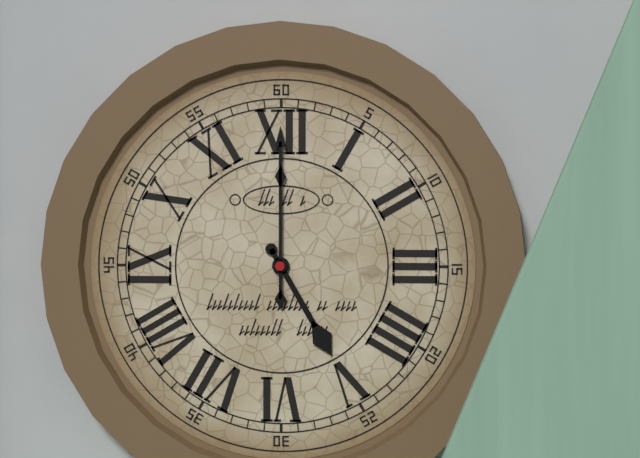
5:00
